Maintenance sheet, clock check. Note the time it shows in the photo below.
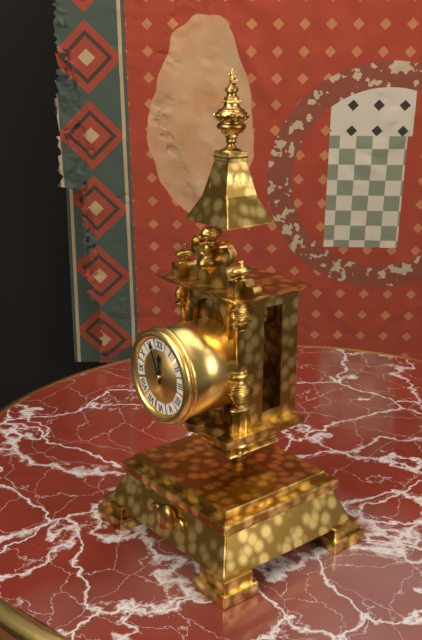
11:56
